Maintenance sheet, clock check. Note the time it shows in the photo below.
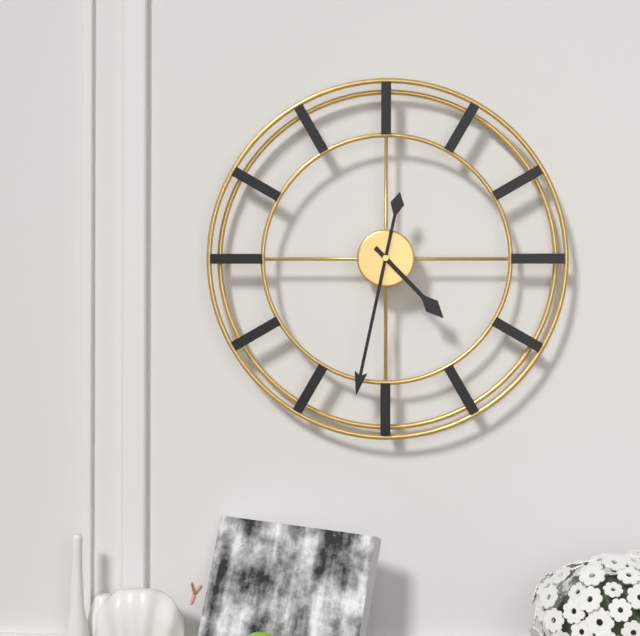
4:32
